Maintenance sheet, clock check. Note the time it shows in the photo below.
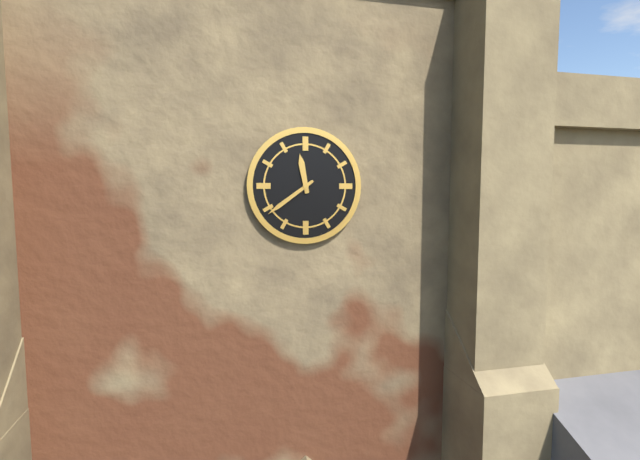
11:39
